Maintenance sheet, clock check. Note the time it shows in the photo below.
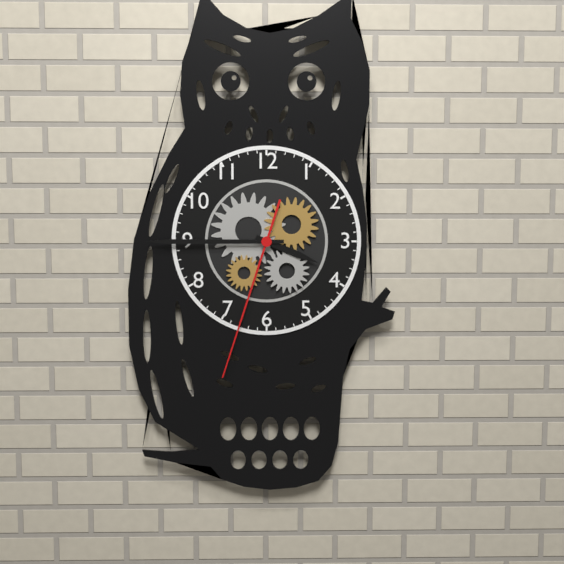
3:45:33
